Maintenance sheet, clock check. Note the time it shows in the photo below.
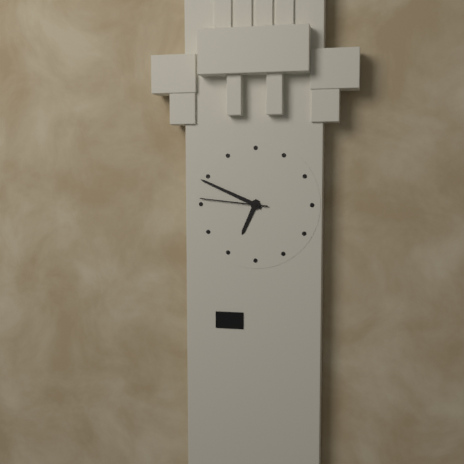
6:49:46
